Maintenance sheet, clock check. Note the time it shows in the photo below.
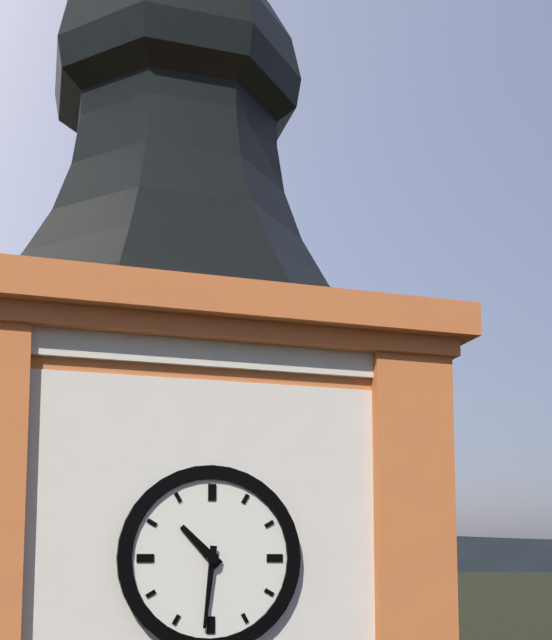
10:31
